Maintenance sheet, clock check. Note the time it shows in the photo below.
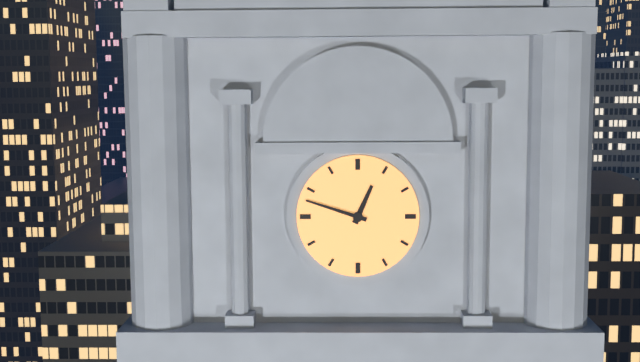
12:48
